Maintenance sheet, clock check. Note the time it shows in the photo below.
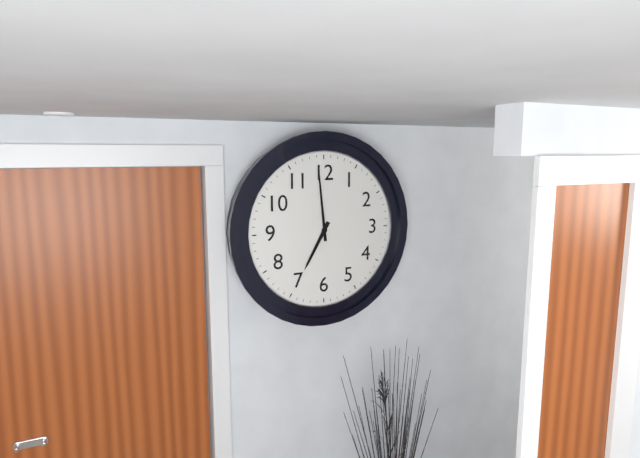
6:59
